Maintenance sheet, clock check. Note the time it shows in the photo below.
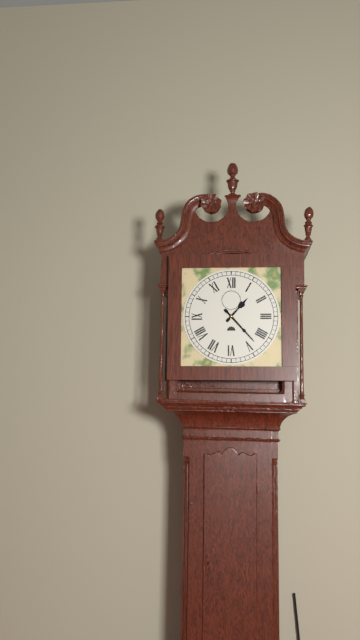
1:23
